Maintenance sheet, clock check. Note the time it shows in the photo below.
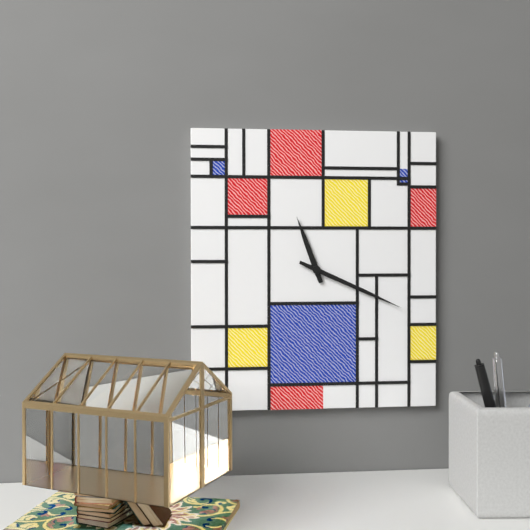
11:19
